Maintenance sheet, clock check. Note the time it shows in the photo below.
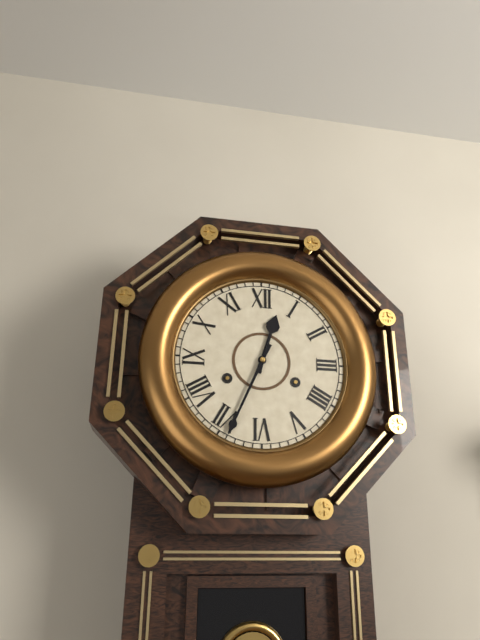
12:34
